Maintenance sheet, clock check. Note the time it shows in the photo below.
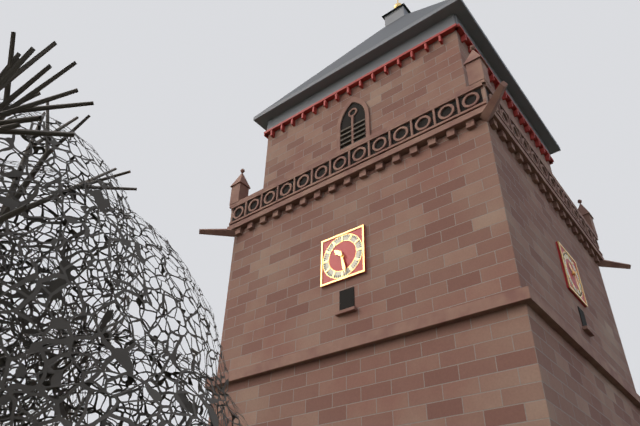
10:28
